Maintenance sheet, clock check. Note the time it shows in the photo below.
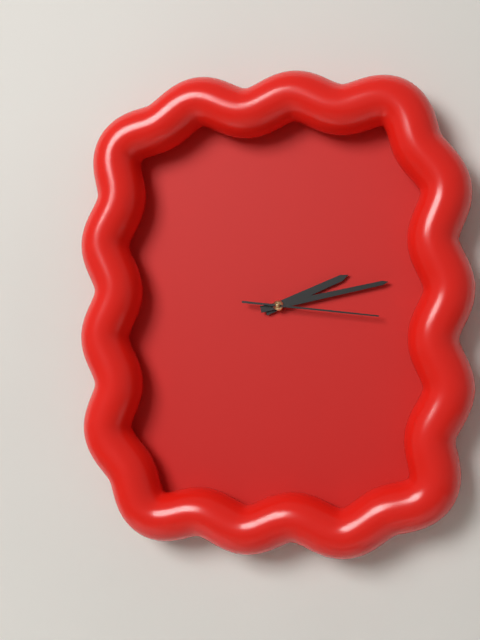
2:13:16
